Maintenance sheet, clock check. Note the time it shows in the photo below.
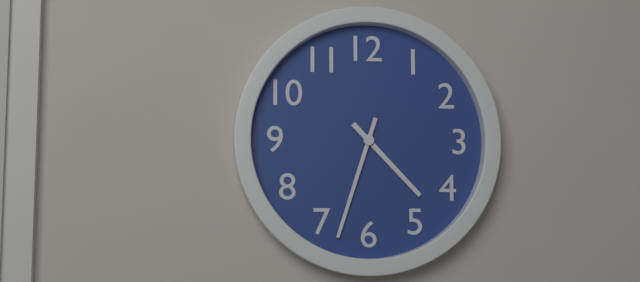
4:33
